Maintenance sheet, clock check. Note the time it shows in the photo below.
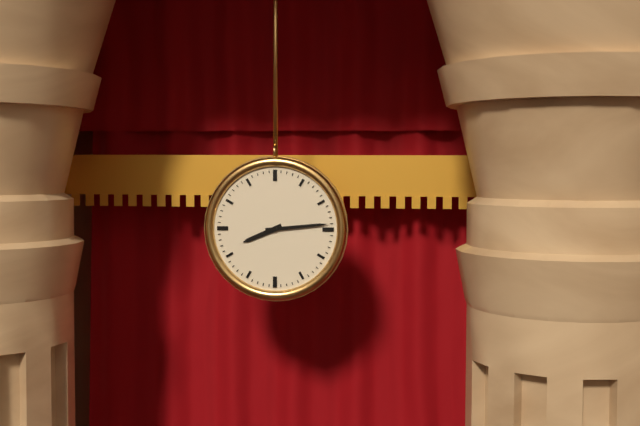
8:14
